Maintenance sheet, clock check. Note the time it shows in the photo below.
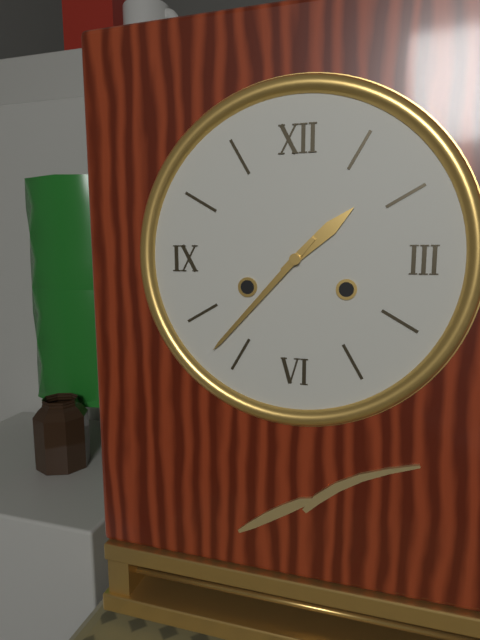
1:37
